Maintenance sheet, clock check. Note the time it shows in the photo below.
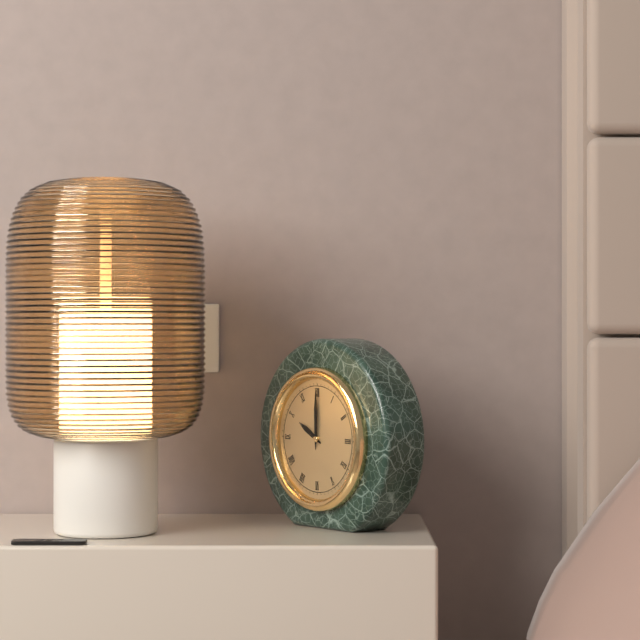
10:00
